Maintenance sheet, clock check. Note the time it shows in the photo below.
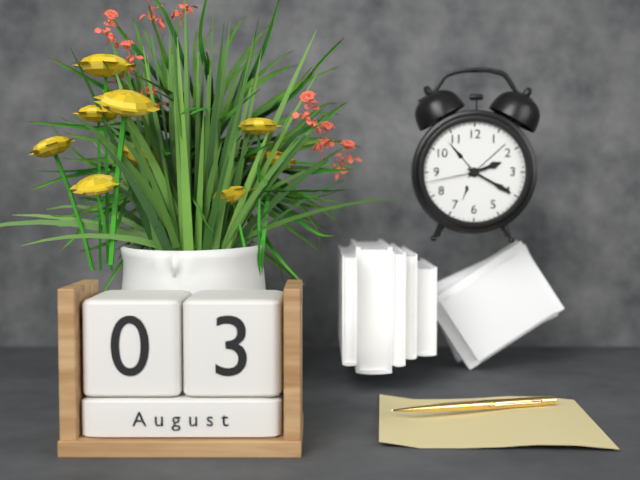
2:20:43
